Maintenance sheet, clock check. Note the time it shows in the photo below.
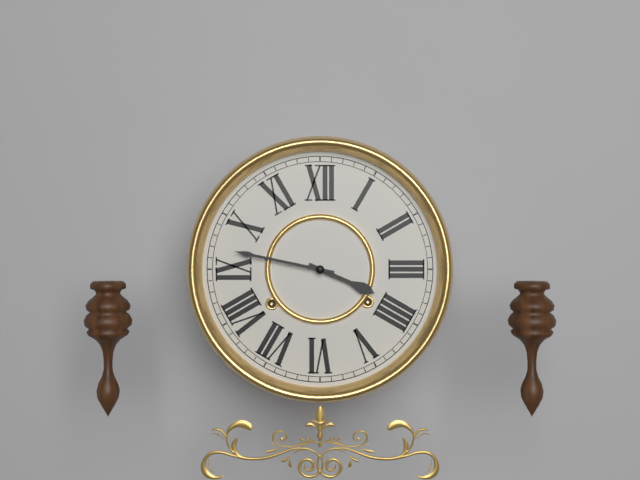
3:47
